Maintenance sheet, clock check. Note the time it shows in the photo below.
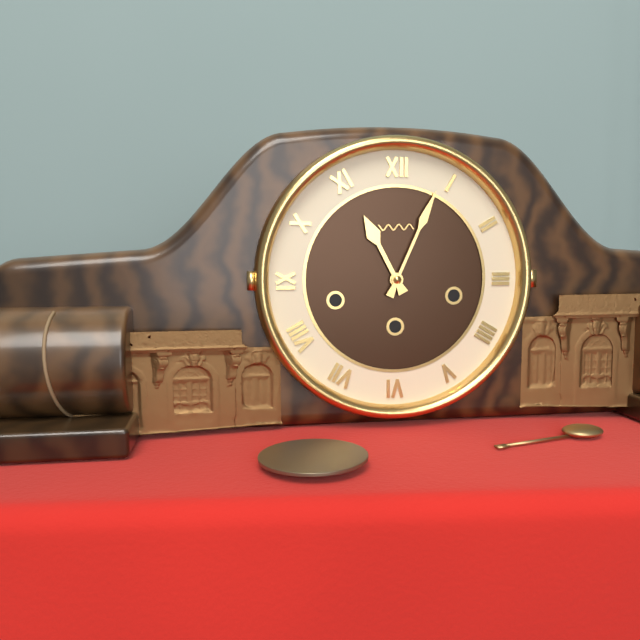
11:04
